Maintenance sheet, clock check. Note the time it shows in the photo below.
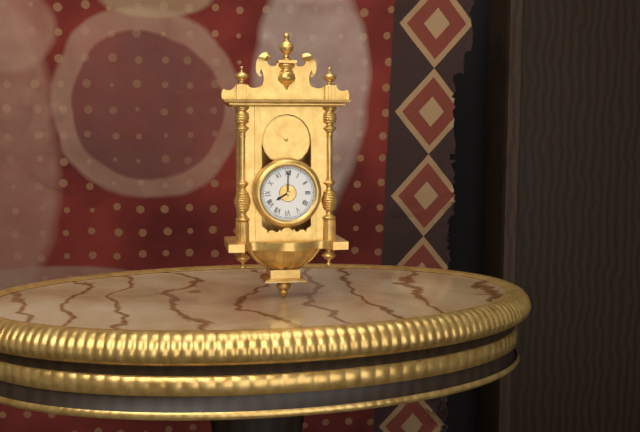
8:00
